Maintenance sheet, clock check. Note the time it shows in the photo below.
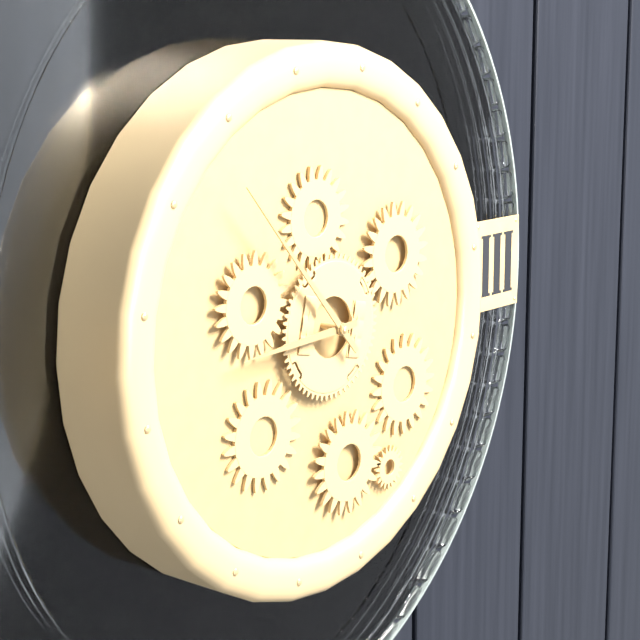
8:53
